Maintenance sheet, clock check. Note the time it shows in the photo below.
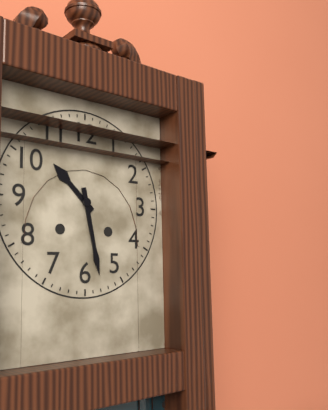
10:28
